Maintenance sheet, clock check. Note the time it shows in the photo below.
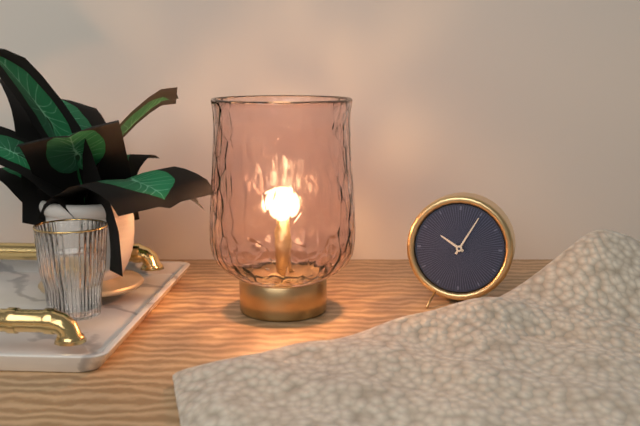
10:05
